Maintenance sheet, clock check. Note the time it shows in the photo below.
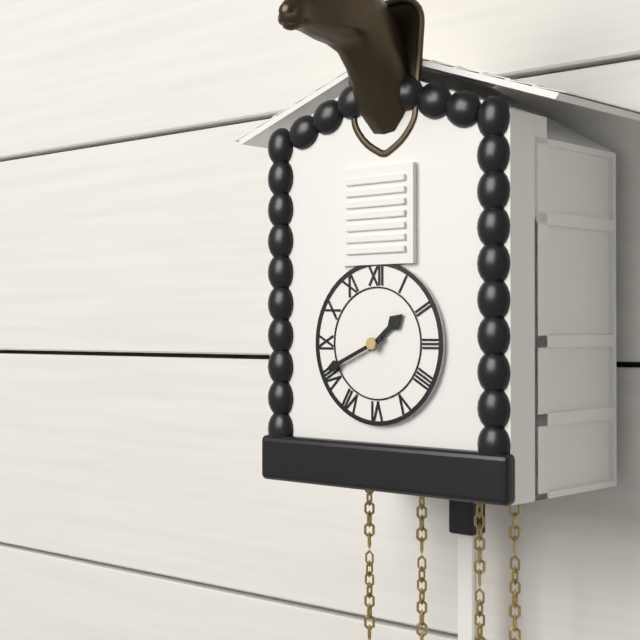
1:41
